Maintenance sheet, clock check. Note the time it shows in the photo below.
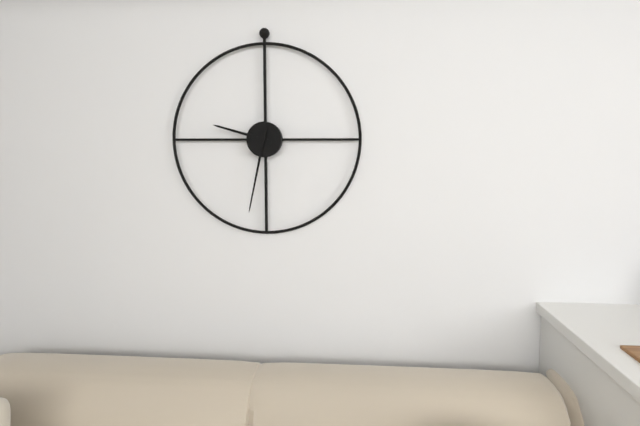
9:32
